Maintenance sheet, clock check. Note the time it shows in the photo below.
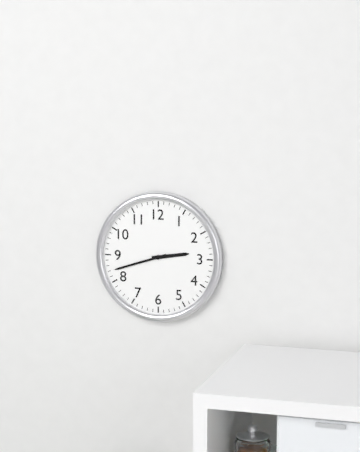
2:42
